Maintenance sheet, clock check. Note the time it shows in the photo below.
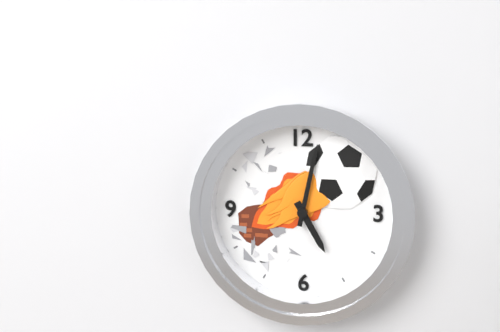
5:02
